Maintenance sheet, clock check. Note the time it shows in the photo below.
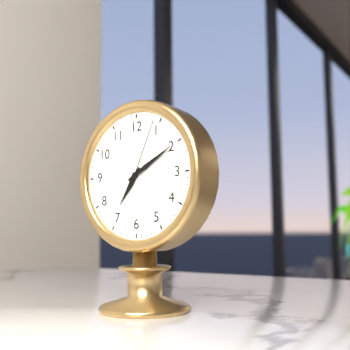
7:10:04
